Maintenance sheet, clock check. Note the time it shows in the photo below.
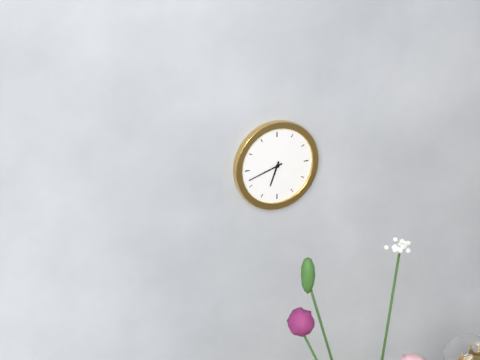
6:42
